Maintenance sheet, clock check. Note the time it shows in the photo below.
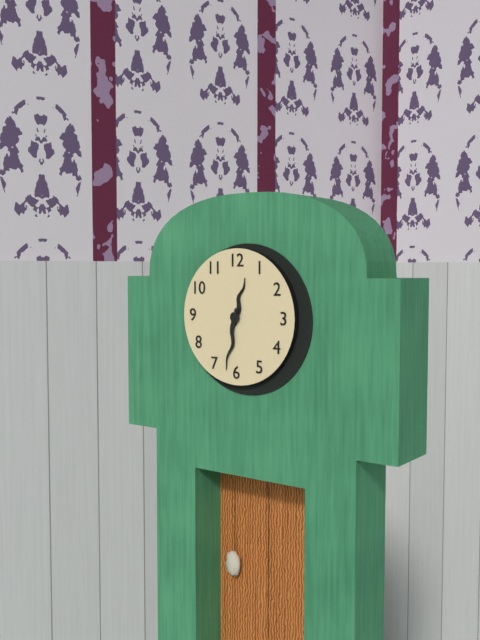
12:32
